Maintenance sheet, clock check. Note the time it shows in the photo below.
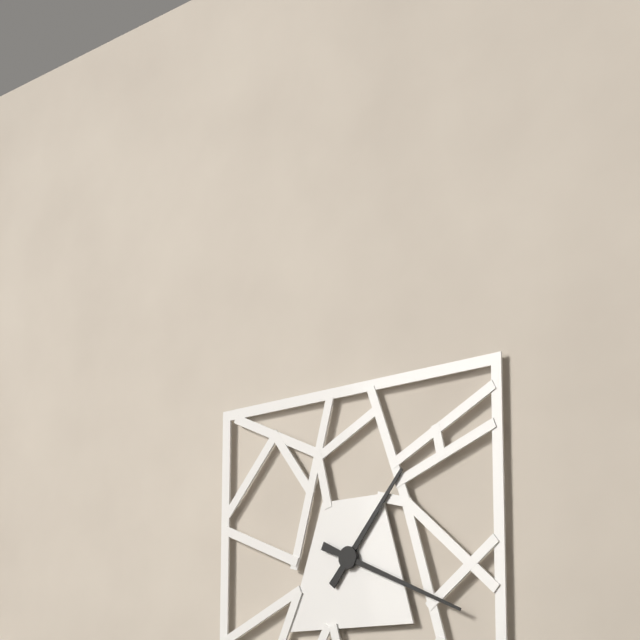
1:19
